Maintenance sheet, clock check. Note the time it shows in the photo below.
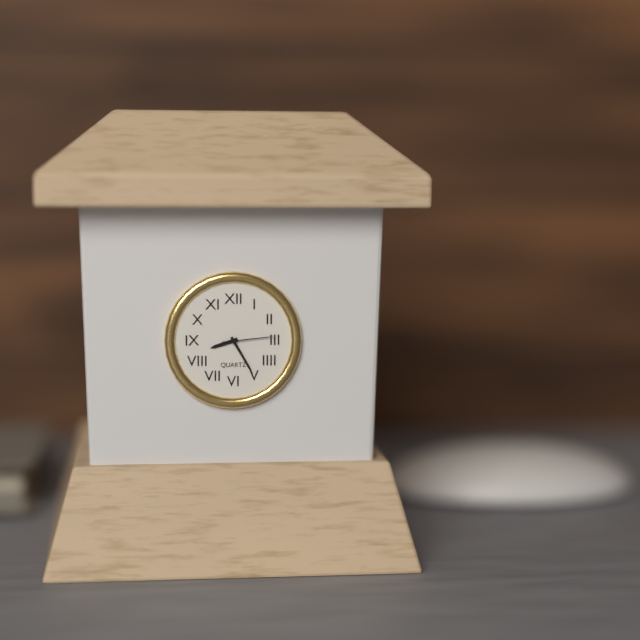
8:25:14
